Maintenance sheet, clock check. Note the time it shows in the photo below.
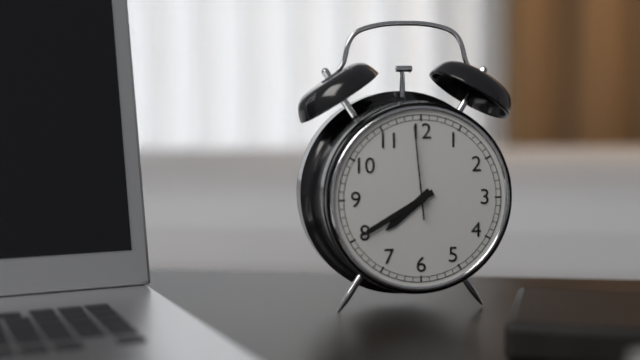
7:40:59
